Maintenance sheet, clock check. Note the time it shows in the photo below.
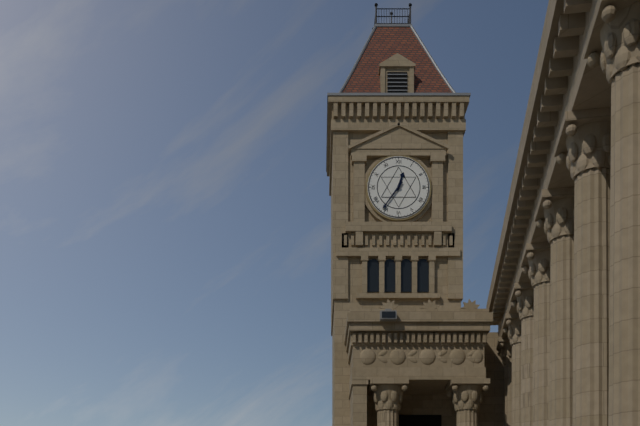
12:36
